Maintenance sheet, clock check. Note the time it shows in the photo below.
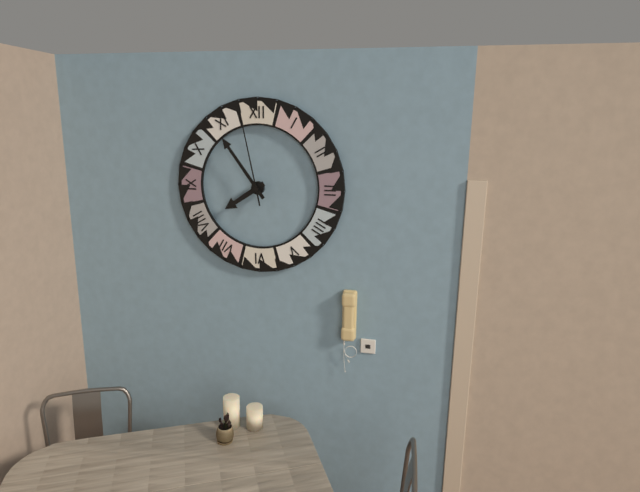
7:54:58
